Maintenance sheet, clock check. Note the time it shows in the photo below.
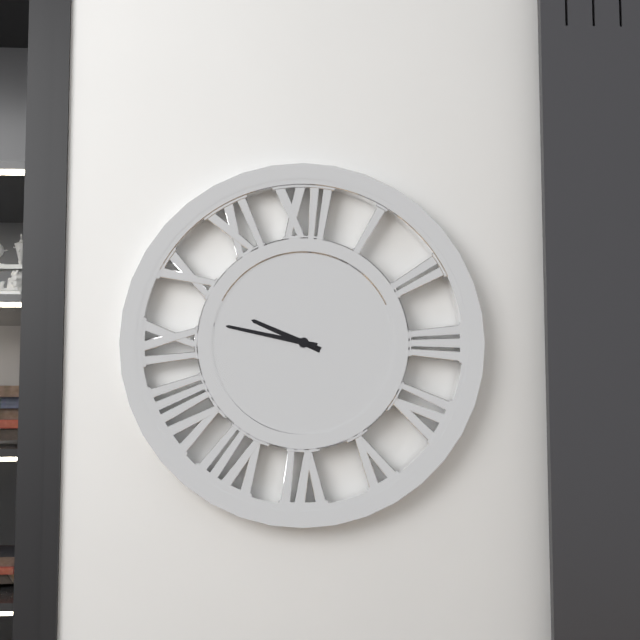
9:47
